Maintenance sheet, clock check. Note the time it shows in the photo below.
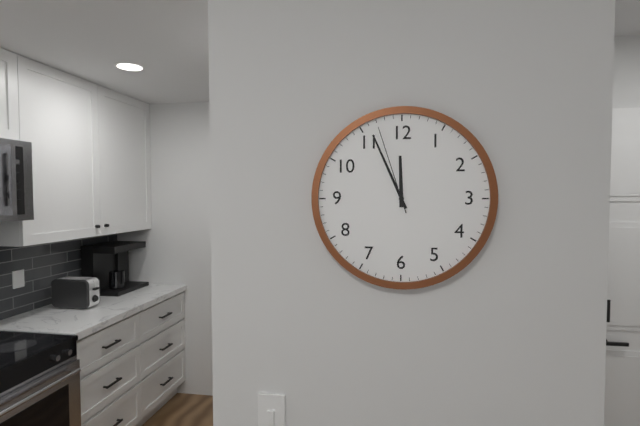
11:56:57
